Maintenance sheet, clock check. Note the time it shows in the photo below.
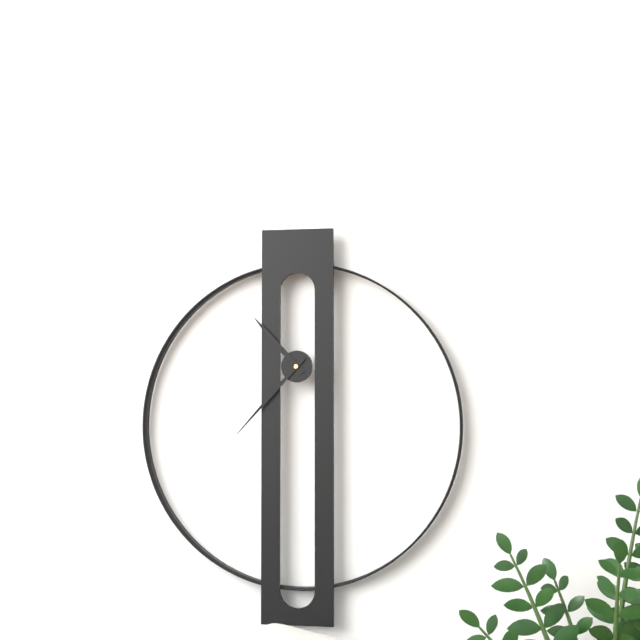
10:37
